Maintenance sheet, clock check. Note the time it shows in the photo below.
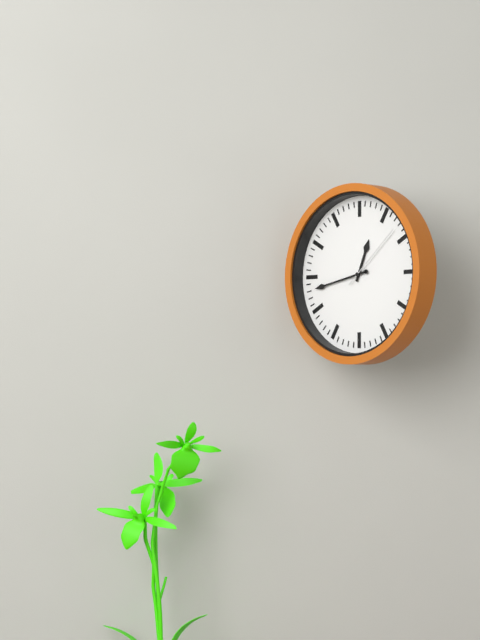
12:43:08
